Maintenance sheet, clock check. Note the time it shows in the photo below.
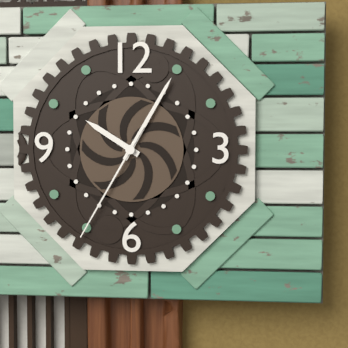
10:05:35
